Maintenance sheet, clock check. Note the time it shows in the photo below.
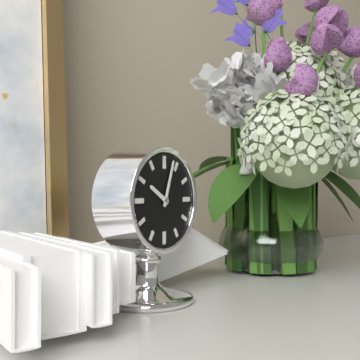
10:03
